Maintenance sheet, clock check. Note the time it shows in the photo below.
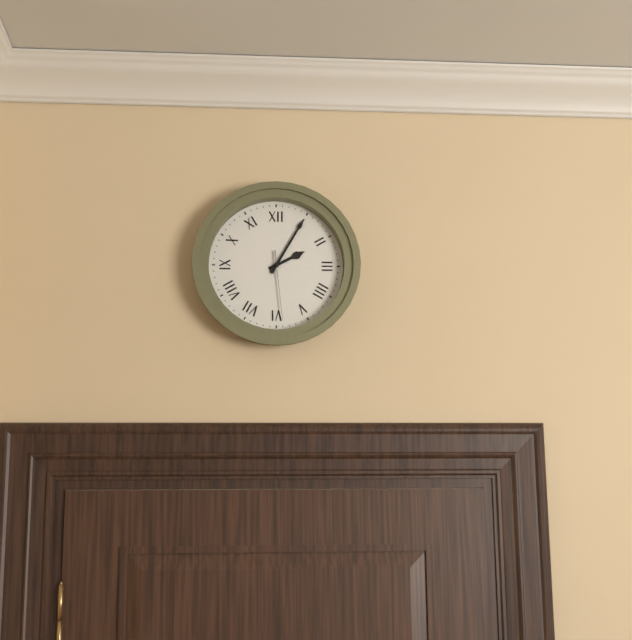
2:05:29
